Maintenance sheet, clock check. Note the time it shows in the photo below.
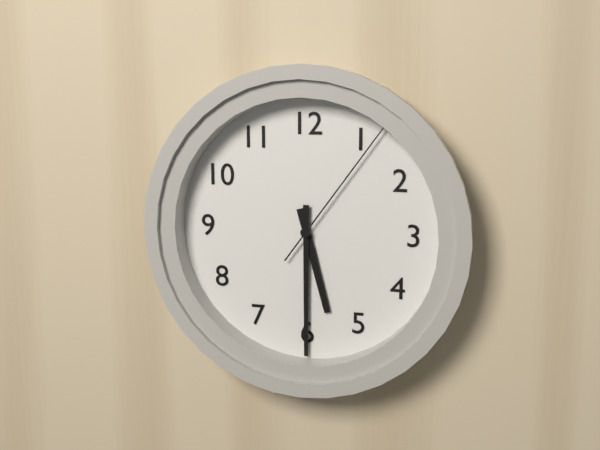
5:30:06
